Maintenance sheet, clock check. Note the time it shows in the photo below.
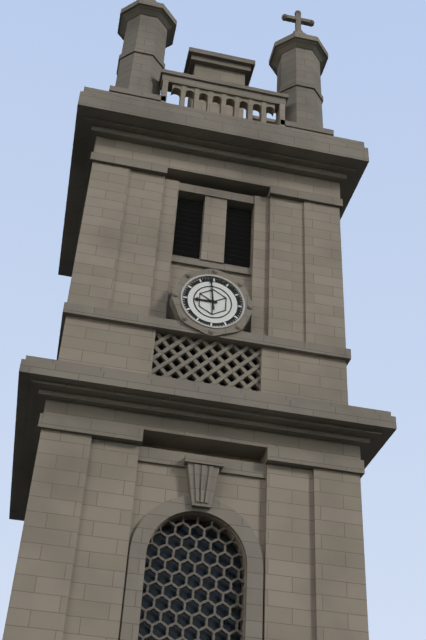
8:59
